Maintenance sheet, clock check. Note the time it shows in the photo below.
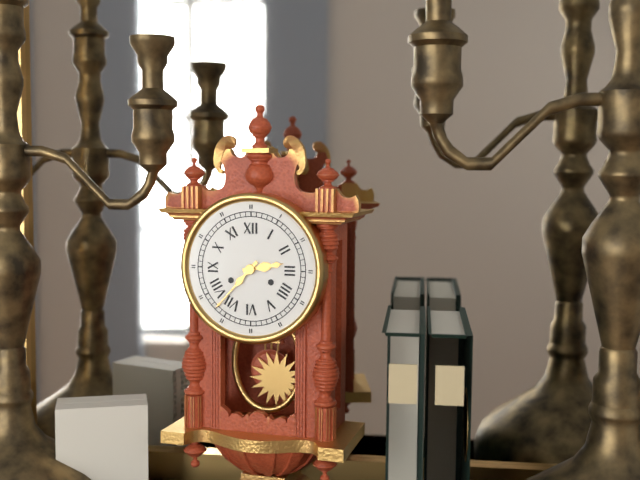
2:37
